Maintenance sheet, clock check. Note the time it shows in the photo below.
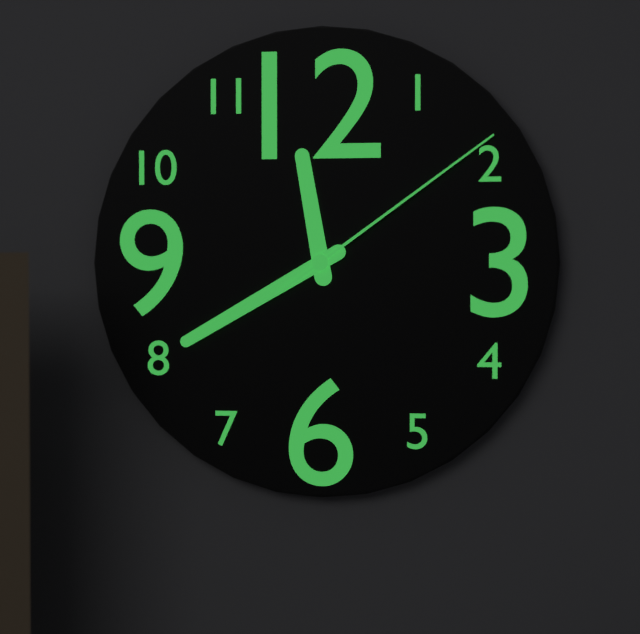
11:40:09
